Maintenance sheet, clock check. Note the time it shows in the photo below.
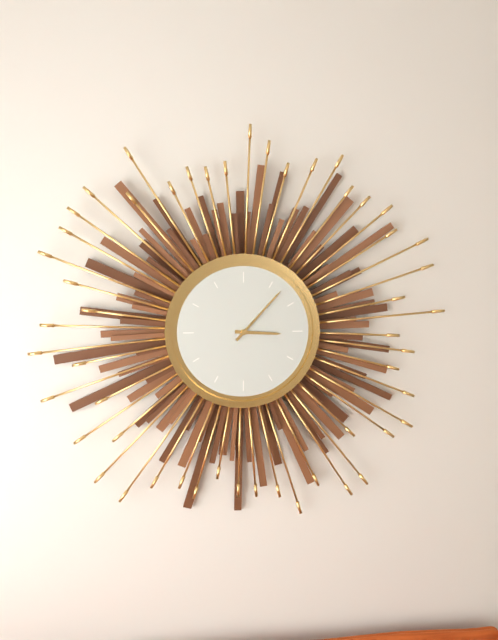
3:07
